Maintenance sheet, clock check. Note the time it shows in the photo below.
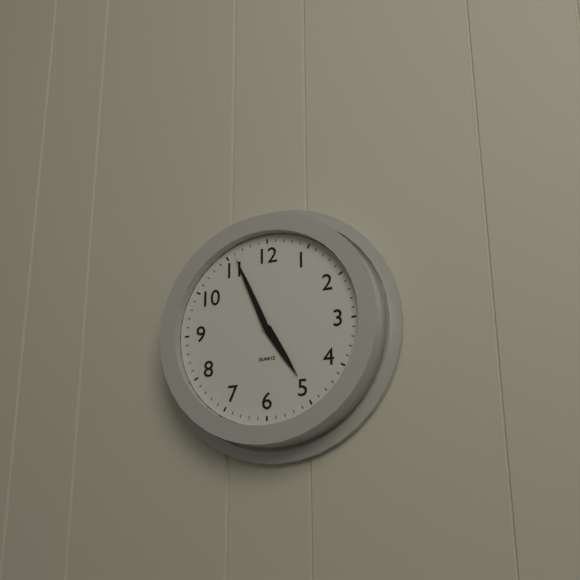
4:56
